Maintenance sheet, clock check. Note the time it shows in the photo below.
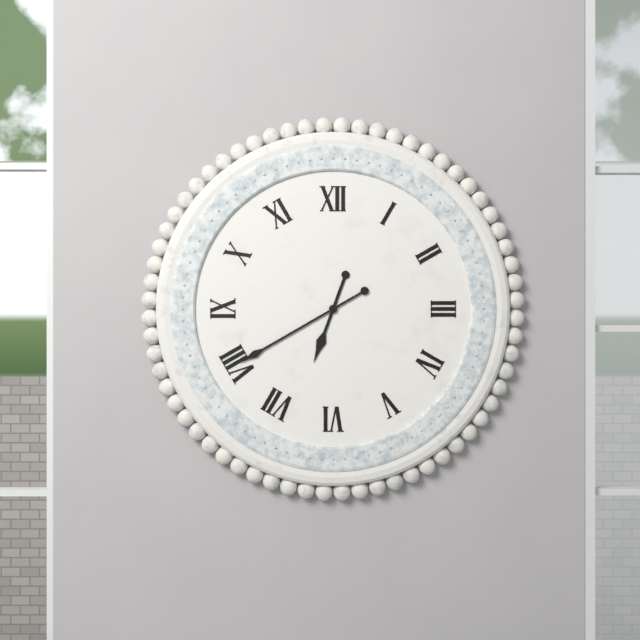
6:40
